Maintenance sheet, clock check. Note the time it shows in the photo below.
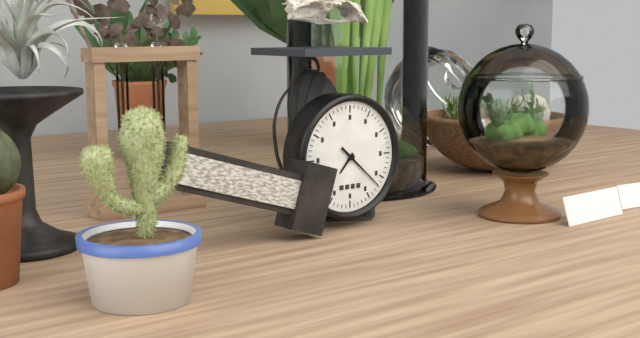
7:22
